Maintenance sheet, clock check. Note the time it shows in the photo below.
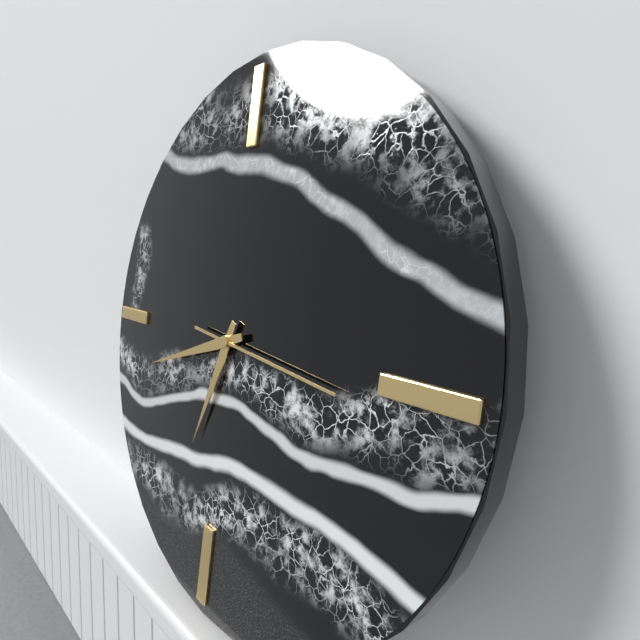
6:42:16
